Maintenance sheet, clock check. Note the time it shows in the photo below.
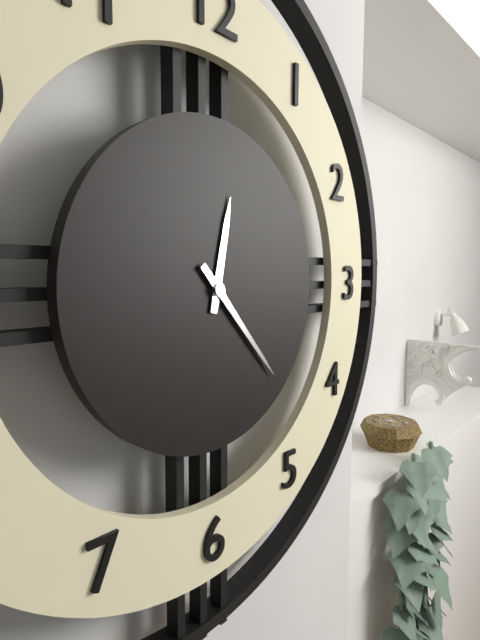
12:23
